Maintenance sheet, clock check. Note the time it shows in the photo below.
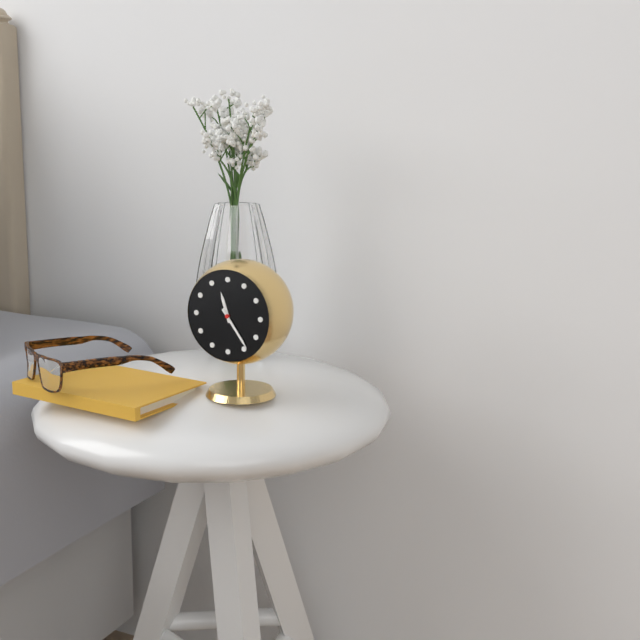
11:24
